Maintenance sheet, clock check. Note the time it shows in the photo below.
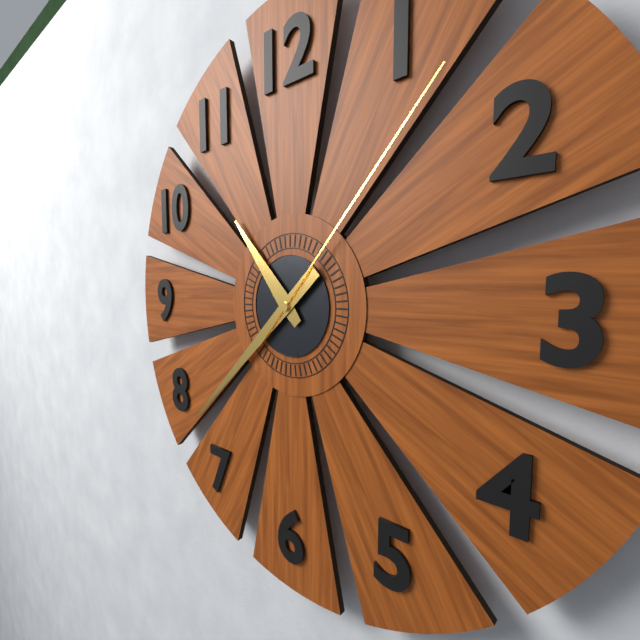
10:38:07
